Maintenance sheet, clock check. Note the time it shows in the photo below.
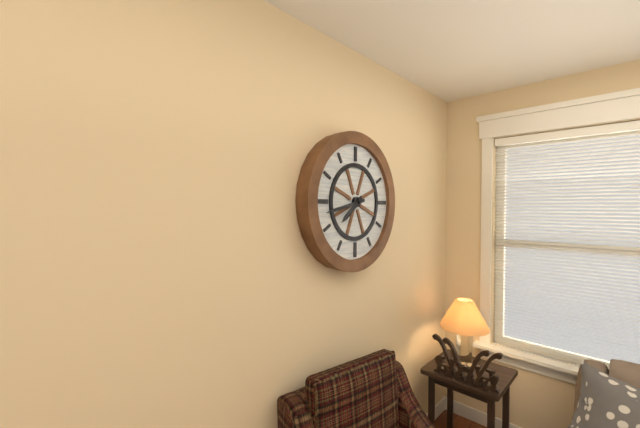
7:43
